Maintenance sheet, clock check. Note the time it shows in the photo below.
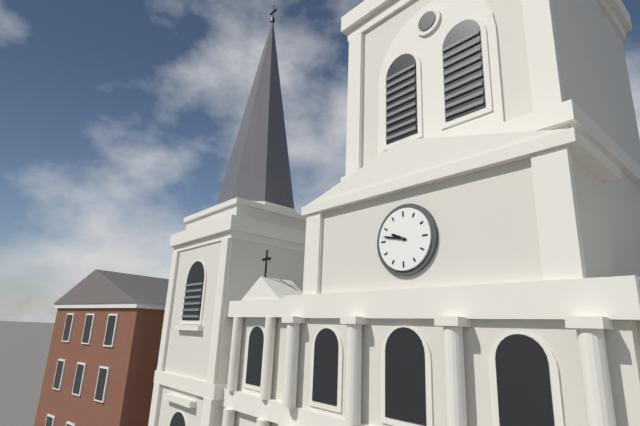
9:47
